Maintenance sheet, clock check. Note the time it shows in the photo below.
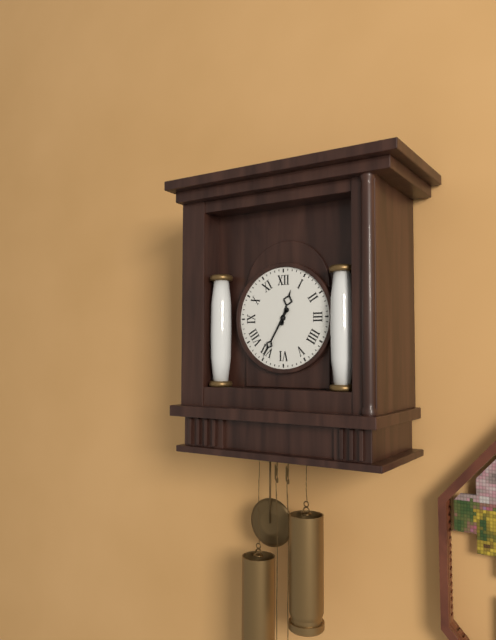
12:35
